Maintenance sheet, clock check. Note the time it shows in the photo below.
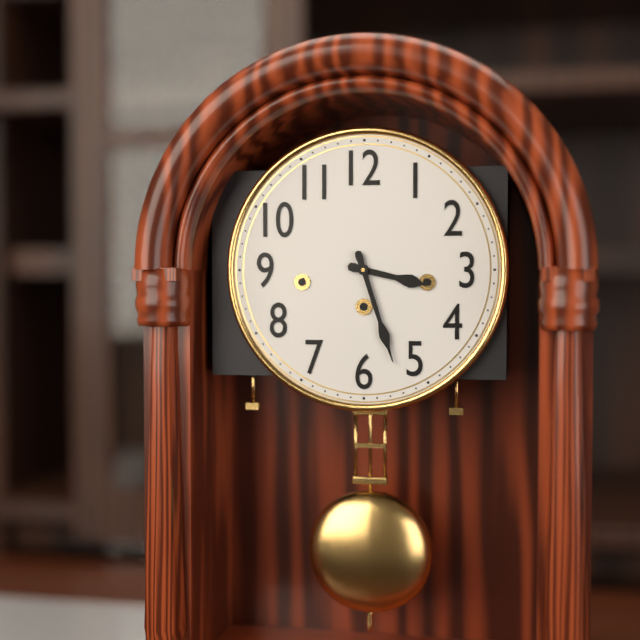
3:27
